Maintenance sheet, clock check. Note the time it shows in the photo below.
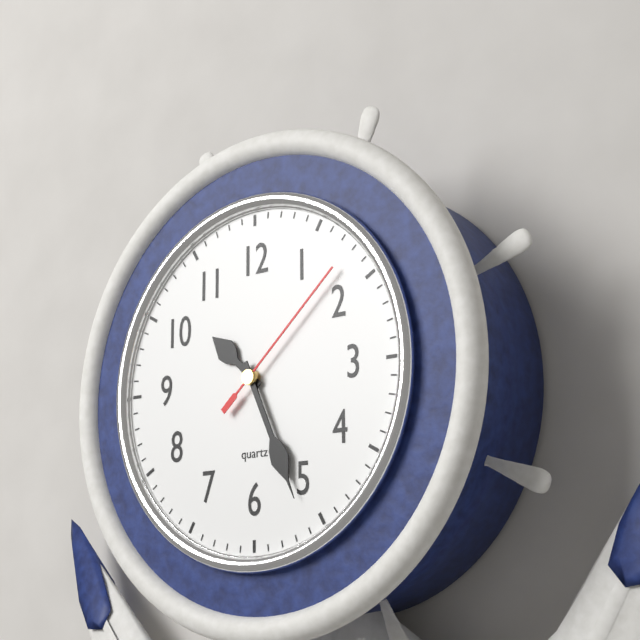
10:26:08
